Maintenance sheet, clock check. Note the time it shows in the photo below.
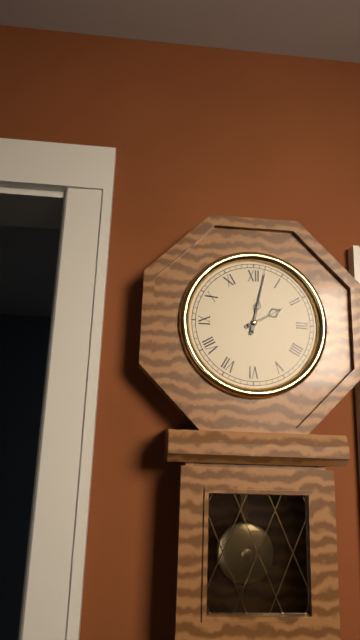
2:02
